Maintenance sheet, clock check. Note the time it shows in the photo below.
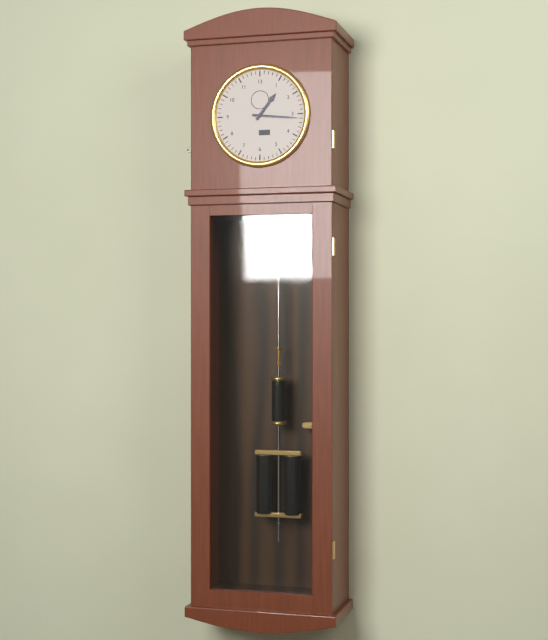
1:16
